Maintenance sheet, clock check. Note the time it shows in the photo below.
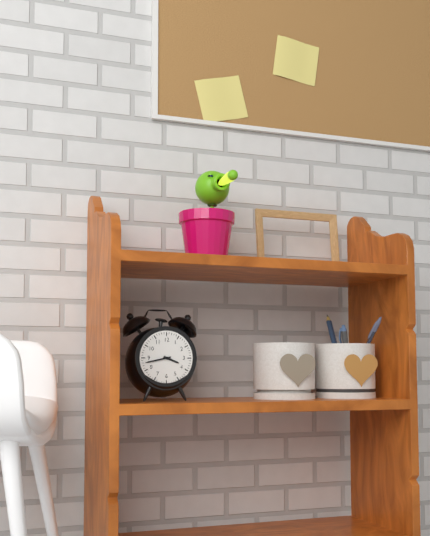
3:43
